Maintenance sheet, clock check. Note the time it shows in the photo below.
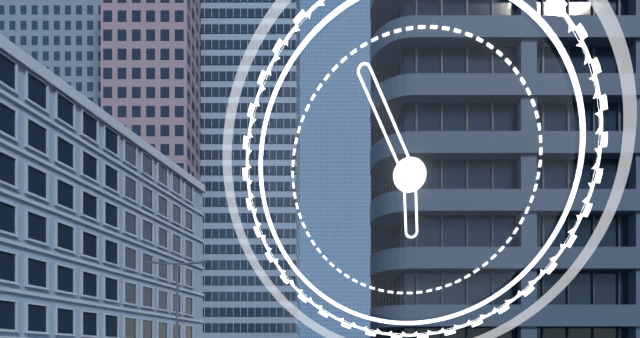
5:56
